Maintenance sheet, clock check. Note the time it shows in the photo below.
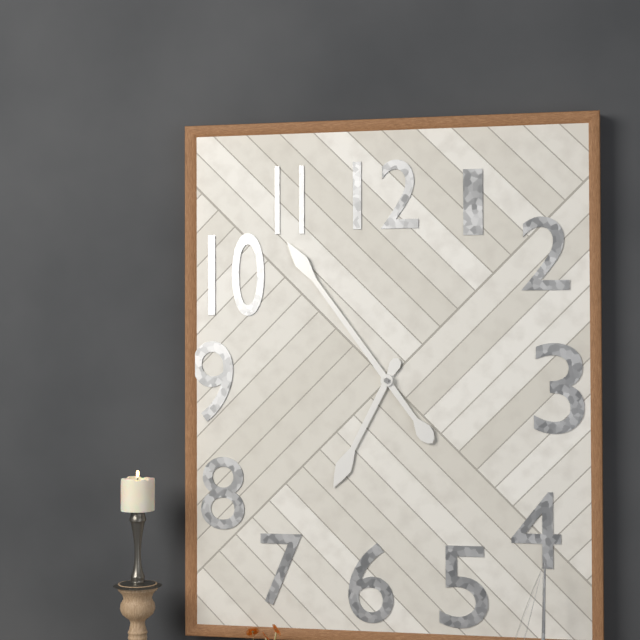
6:54
